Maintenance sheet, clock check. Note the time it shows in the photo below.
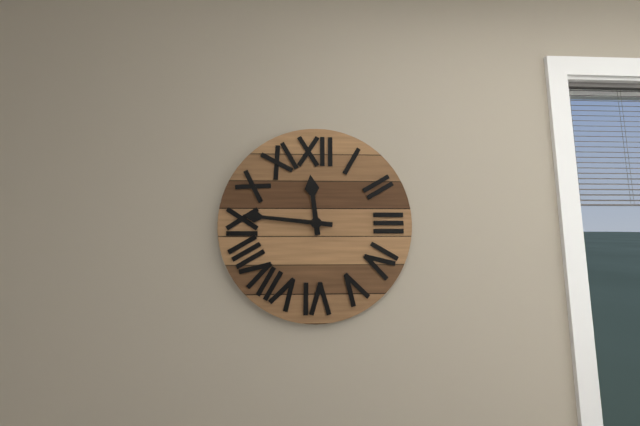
11:46
